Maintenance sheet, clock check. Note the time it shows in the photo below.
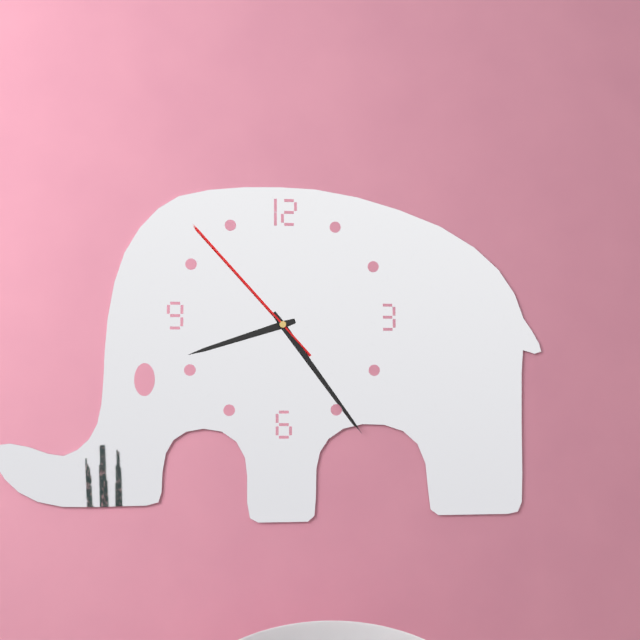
8:24:53
